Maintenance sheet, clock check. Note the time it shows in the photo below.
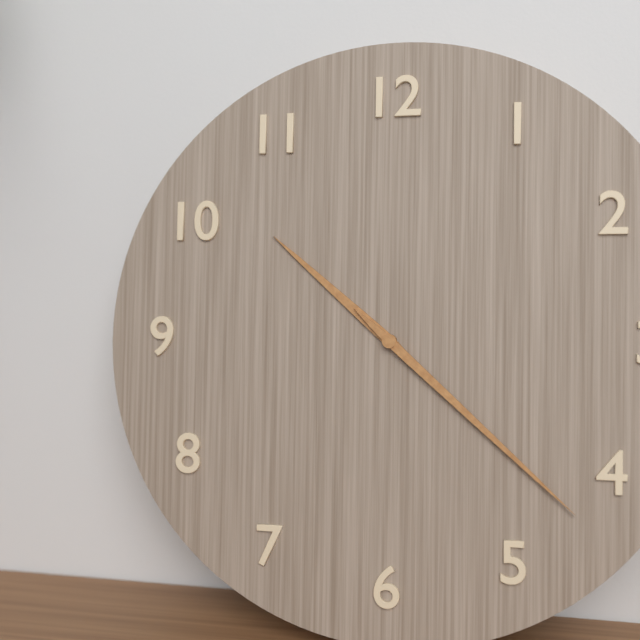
10:22
